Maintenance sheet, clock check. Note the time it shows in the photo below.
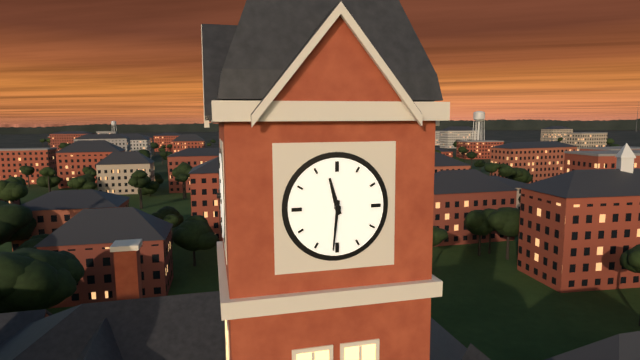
11:31
